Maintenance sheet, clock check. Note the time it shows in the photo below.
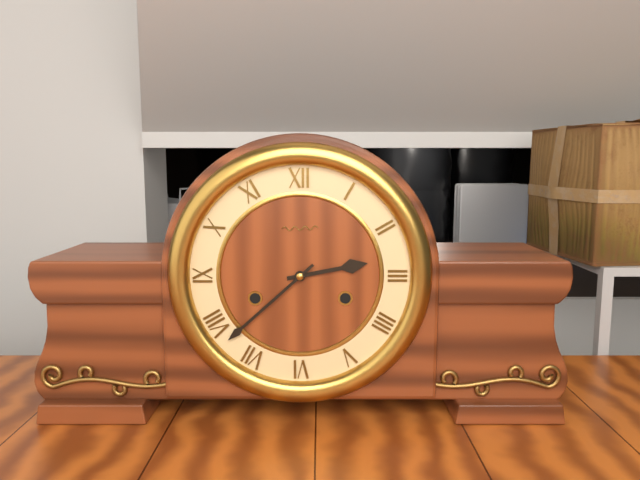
2:38
